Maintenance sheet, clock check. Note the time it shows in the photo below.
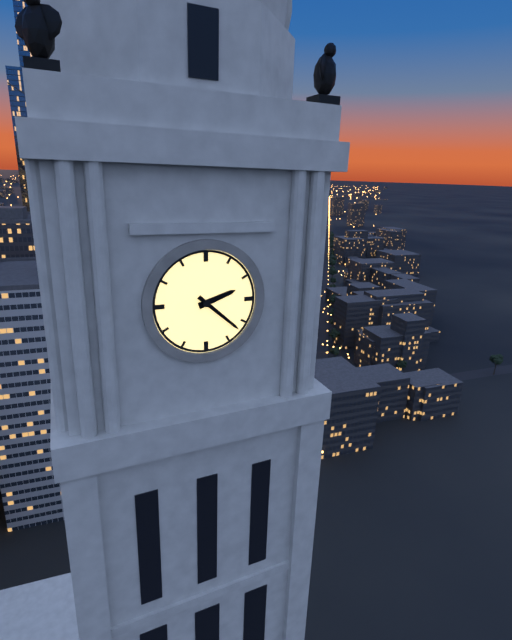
2:22
